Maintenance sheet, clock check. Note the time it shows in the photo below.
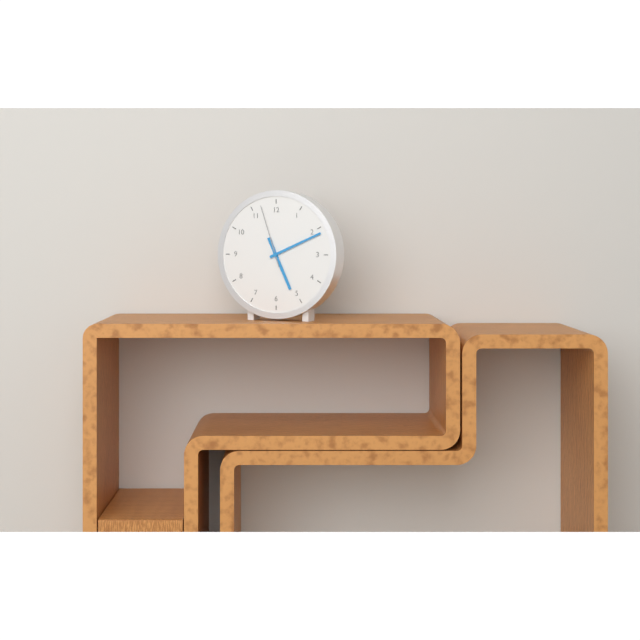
5:11:57
